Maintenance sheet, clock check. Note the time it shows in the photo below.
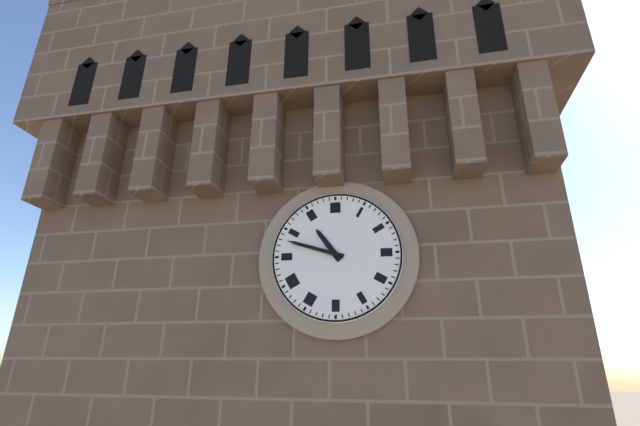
10:48
